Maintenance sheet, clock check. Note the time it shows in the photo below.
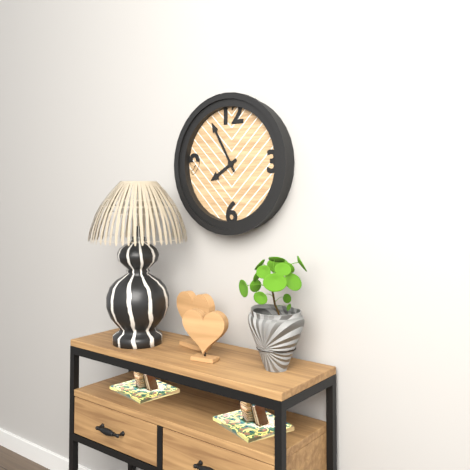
7:55
